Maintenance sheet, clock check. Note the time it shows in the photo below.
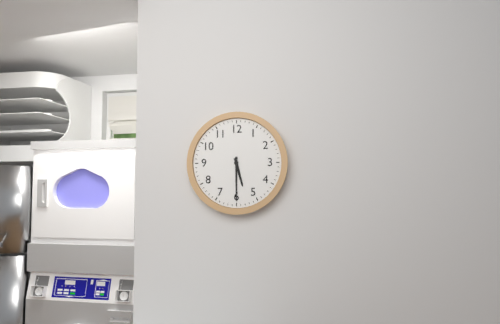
5:30
